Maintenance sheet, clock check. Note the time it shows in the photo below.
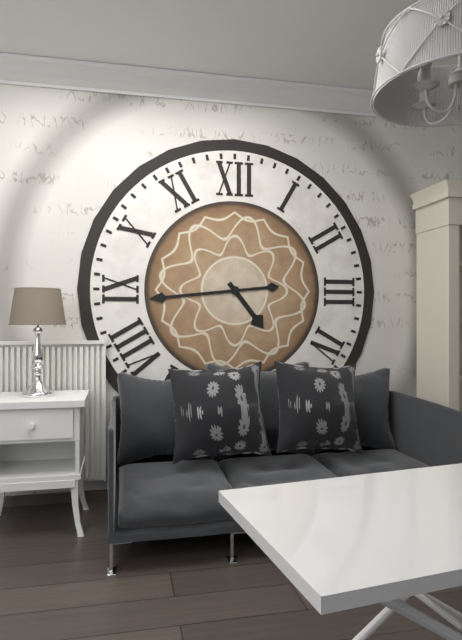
4:44
